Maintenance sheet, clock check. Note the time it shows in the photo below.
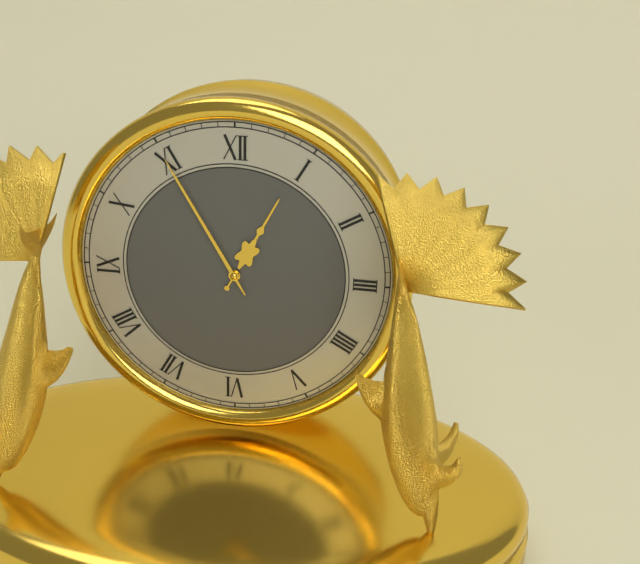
12:55
